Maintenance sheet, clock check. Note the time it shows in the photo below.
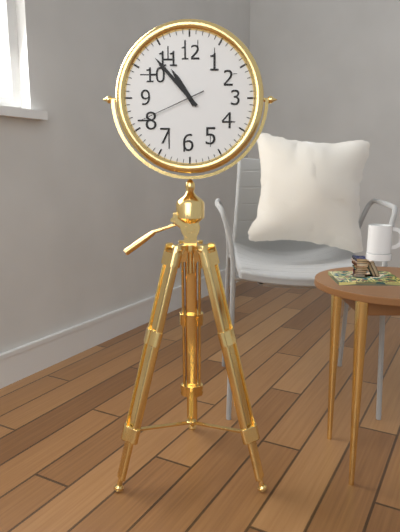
10:53:41
